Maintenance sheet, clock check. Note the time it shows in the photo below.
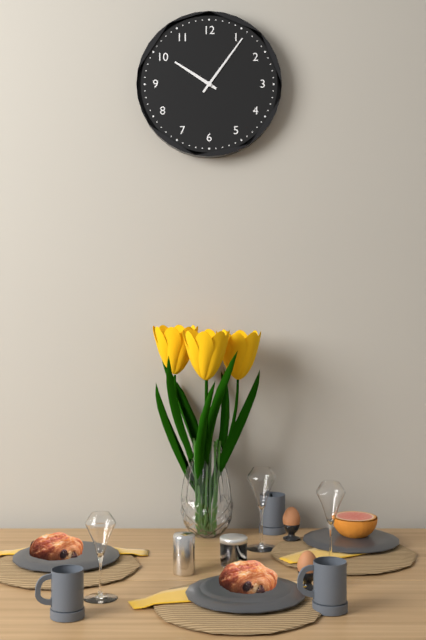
10:06
